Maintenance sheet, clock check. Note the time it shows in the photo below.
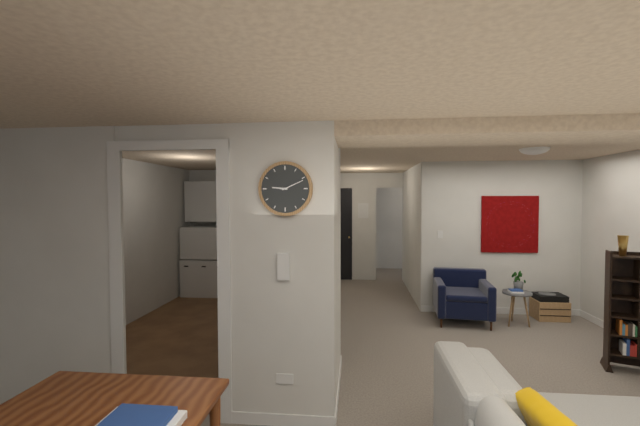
9:11
